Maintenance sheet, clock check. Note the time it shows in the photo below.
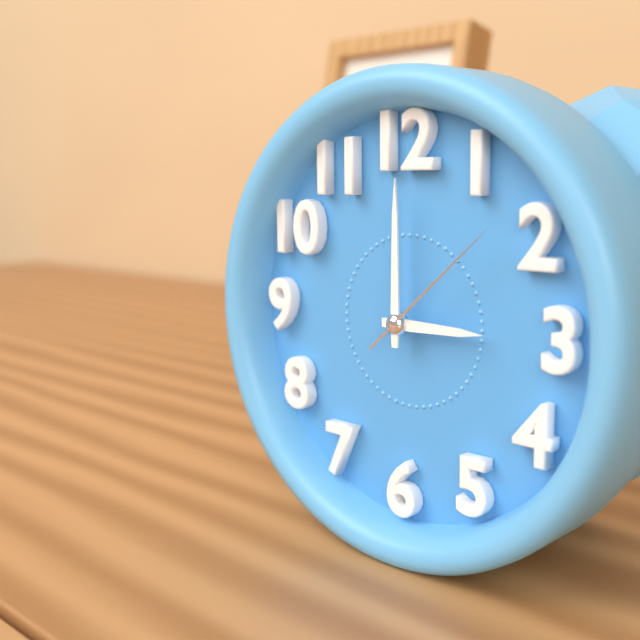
3:00:08
